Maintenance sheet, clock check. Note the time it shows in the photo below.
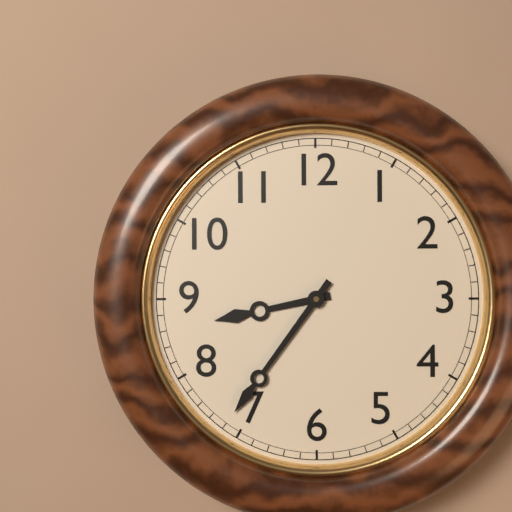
8:36
